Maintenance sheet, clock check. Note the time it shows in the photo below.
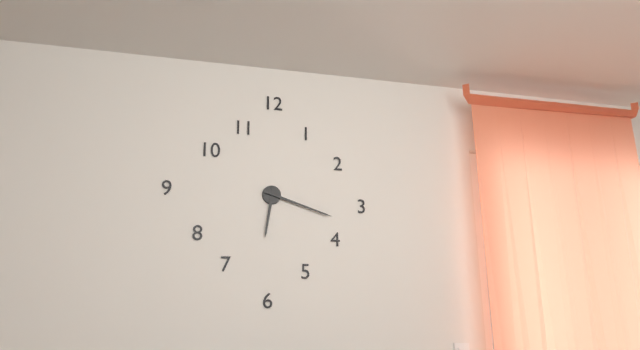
6:18
